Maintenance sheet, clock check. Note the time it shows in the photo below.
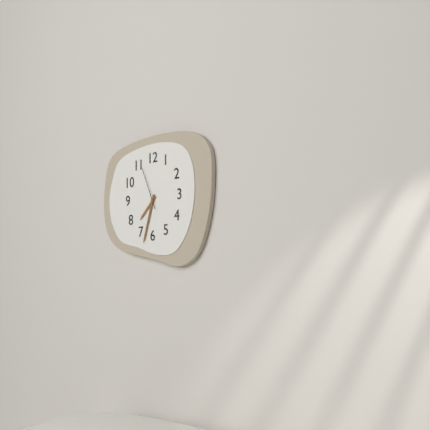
7:33
